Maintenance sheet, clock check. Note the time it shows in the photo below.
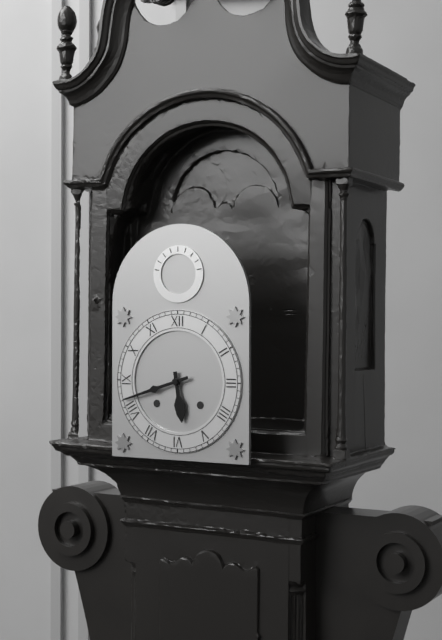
5:42
